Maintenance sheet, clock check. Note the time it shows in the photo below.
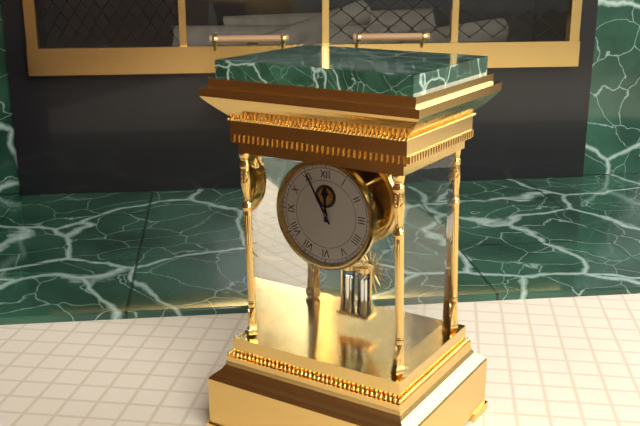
11:55
